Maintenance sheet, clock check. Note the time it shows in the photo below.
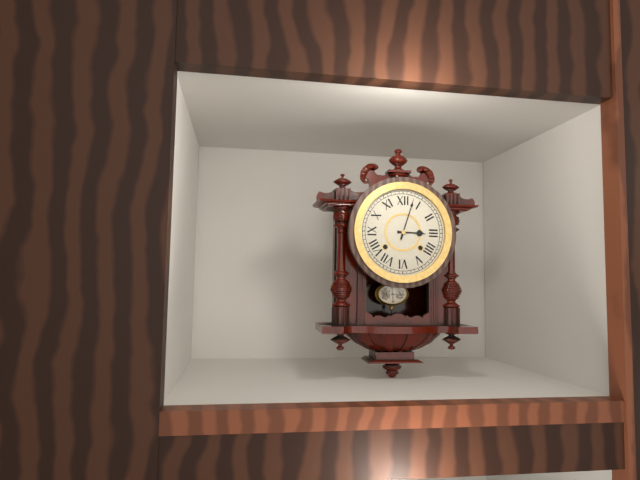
3:03
